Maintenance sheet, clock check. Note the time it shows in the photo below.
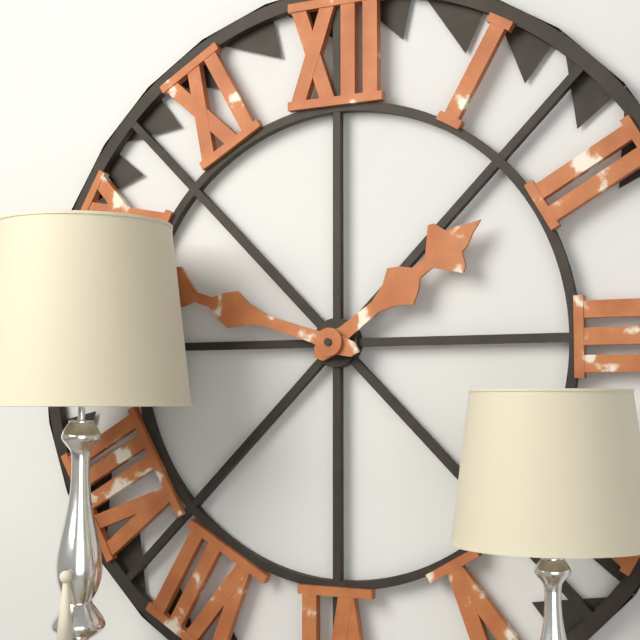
1:48
